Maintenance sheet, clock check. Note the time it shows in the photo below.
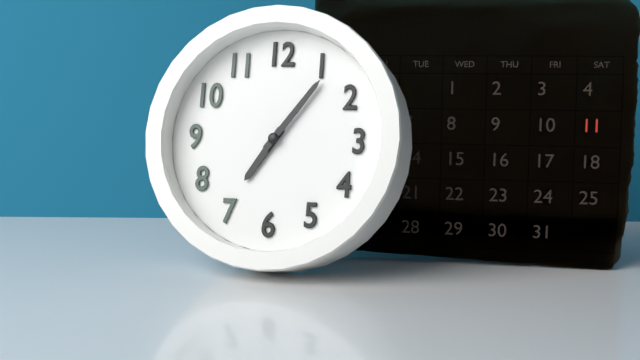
7:06
